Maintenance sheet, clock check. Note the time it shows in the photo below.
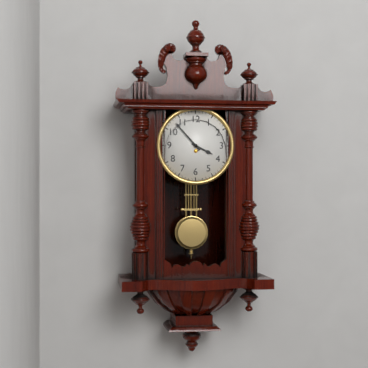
3:53
